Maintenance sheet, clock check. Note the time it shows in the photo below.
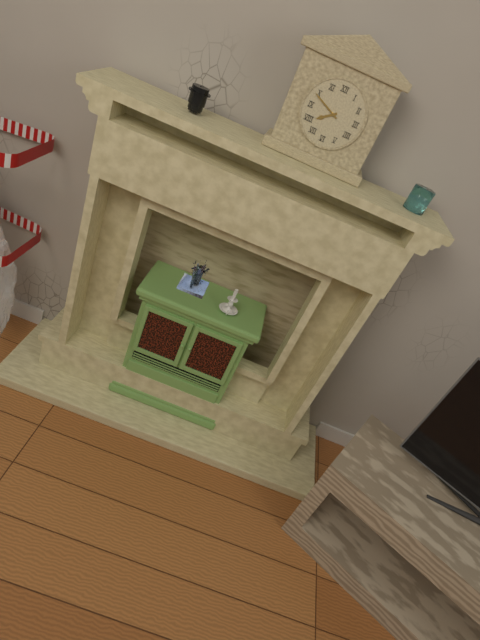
7:49
